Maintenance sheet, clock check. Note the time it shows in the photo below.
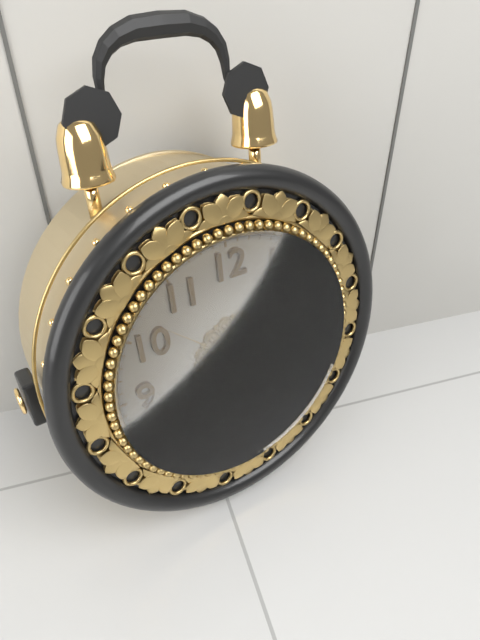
12:18:52
